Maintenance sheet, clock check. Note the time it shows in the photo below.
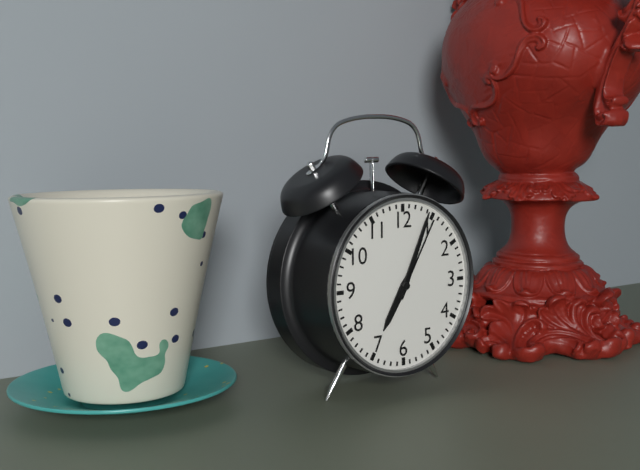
7:04:05
